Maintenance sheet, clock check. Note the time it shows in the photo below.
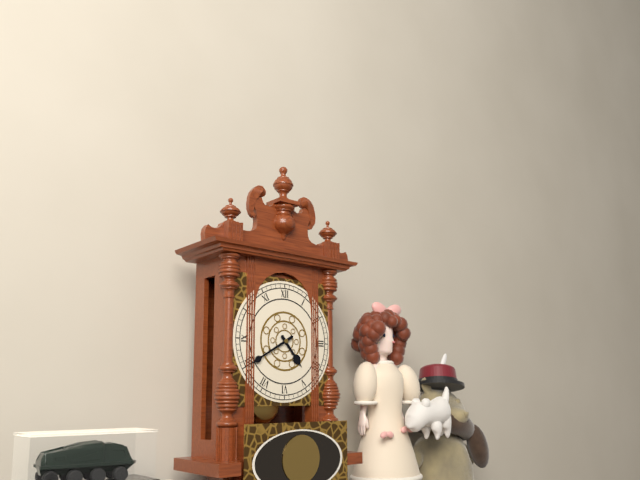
4:40
